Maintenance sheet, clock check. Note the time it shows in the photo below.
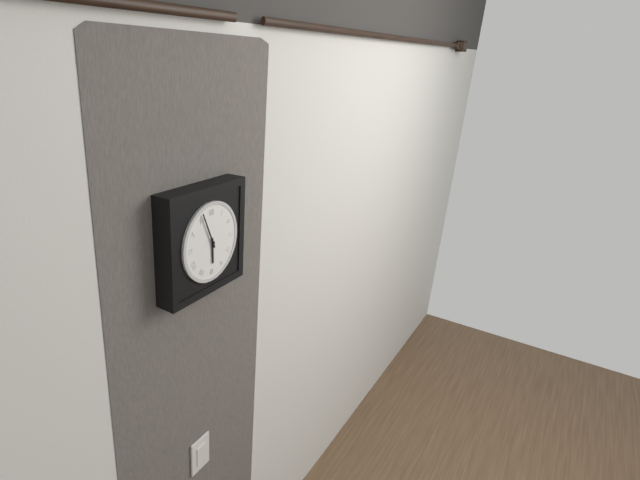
5:56
